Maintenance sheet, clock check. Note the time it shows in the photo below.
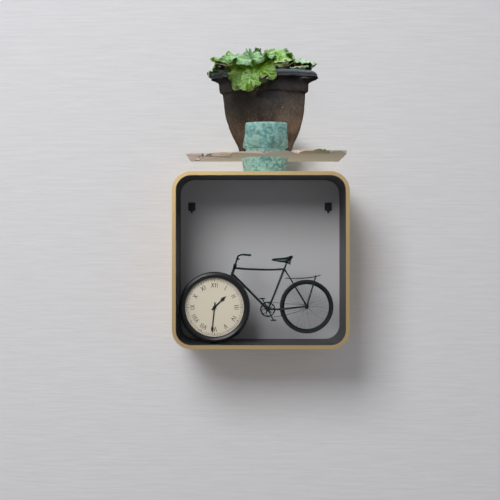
1:31
